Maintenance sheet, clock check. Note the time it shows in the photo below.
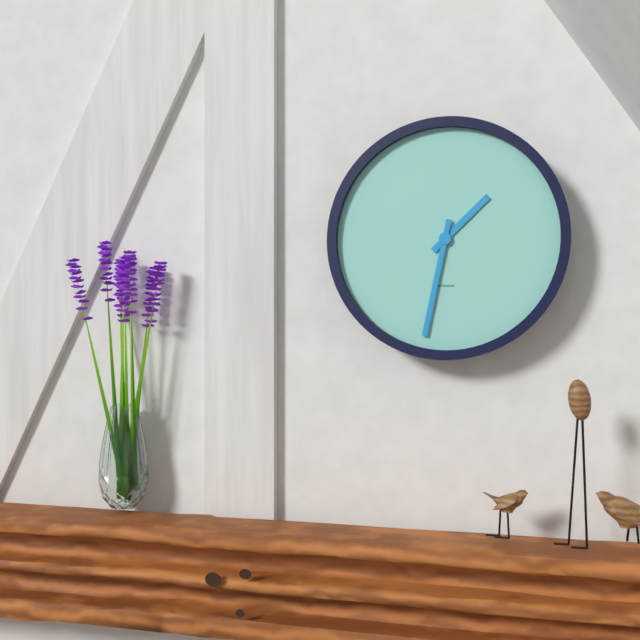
1:32
